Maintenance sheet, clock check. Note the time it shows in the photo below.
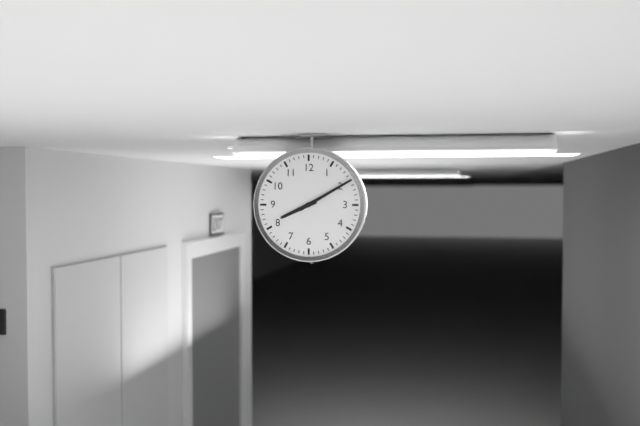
8:10
